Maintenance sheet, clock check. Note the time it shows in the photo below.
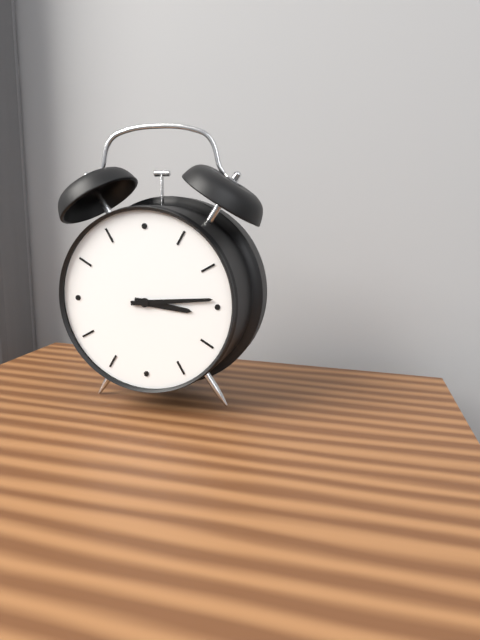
3:14
